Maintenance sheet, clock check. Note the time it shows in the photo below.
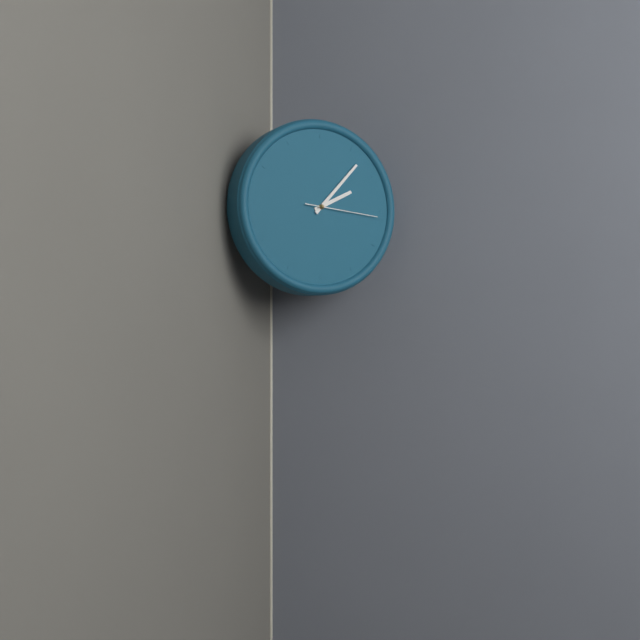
2:07:16
